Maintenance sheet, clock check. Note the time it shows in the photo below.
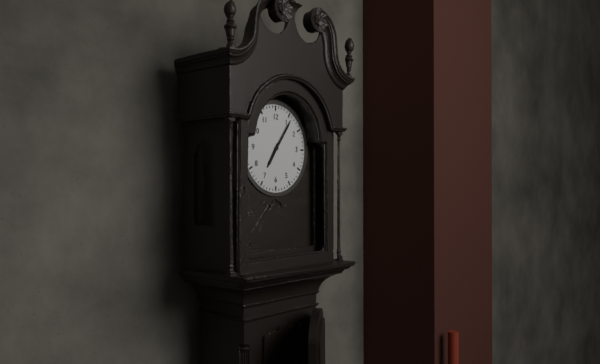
7:06
